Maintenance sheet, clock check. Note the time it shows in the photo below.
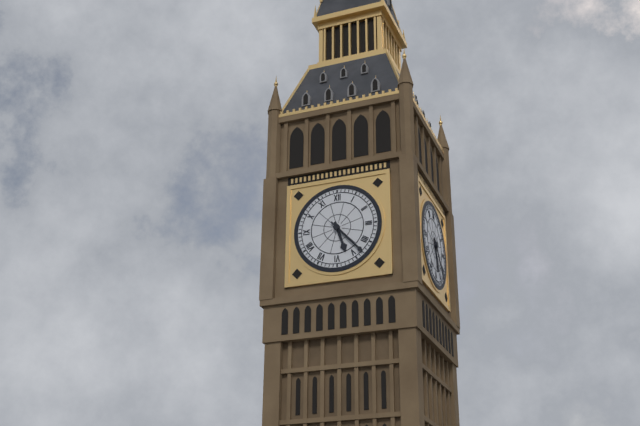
5:23
